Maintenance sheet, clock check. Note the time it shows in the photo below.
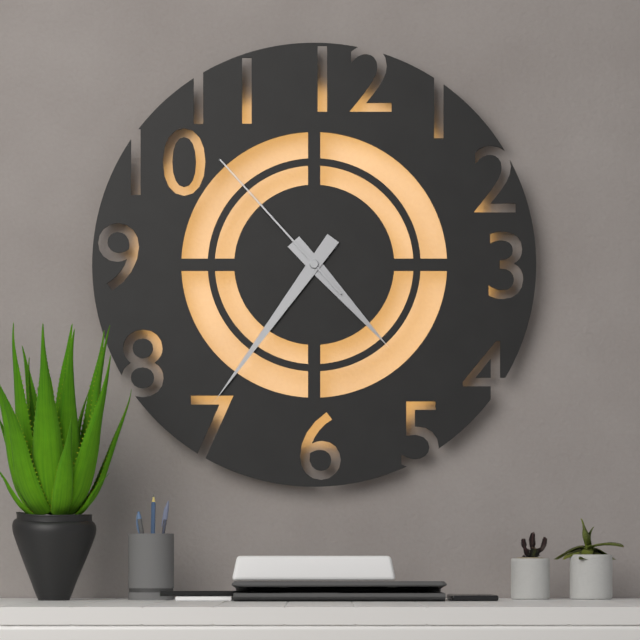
4:36:53
